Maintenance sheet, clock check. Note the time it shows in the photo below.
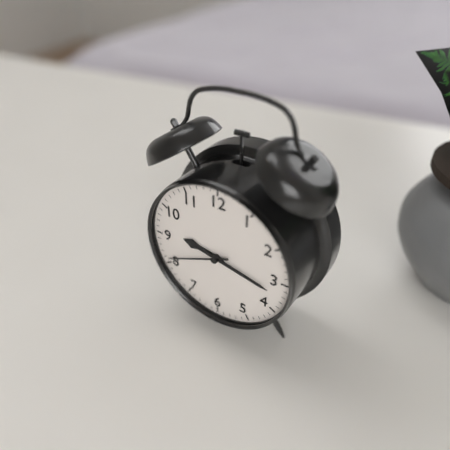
9:17:41
